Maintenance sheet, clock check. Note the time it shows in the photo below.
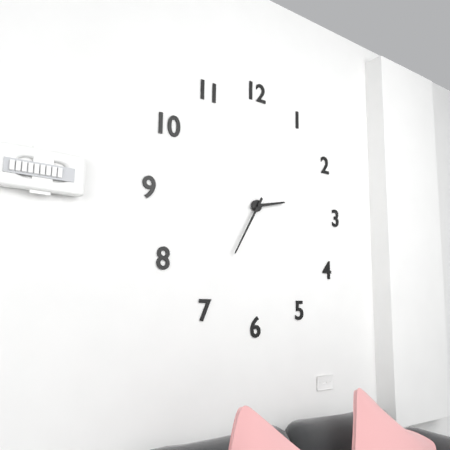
2:35
